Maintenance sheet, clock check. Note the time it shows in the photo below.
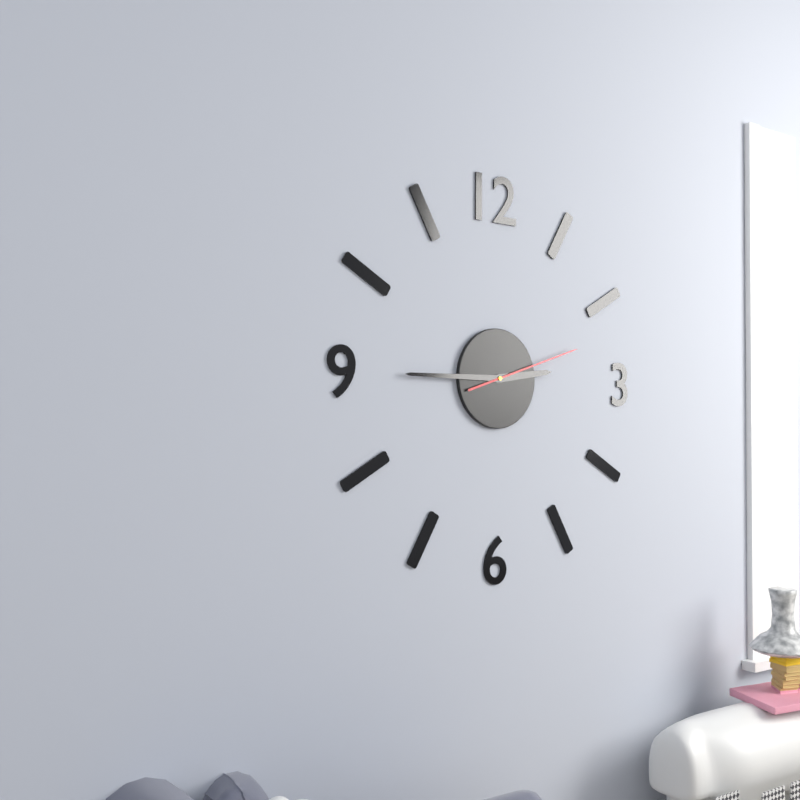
2:45:12
